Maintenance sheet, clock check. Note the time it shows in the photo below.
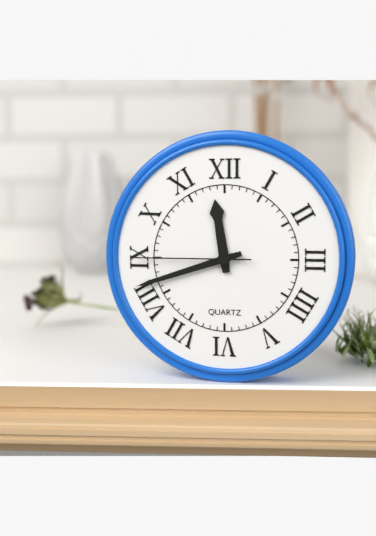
11:42:45
